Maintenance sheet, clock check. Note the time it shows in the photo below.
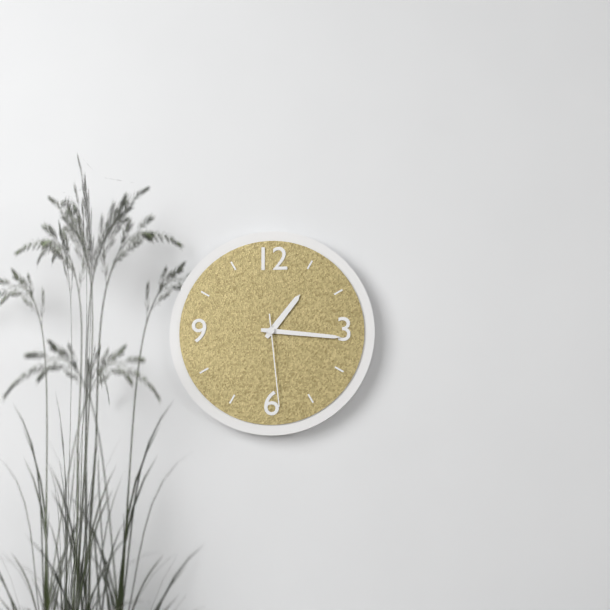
1:16:29
